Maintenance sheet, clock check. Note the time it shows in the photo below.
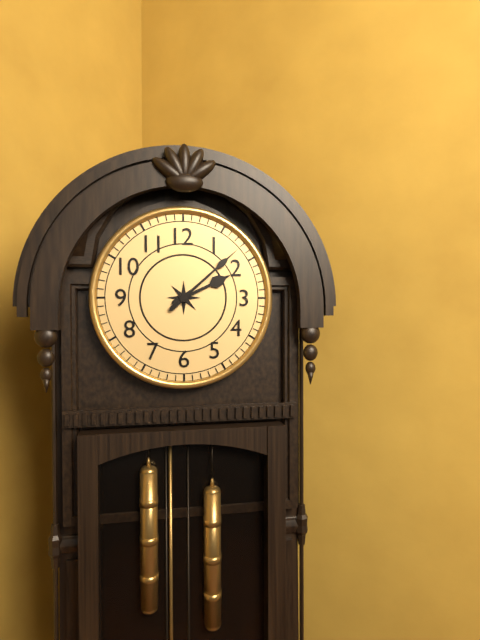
2:08
